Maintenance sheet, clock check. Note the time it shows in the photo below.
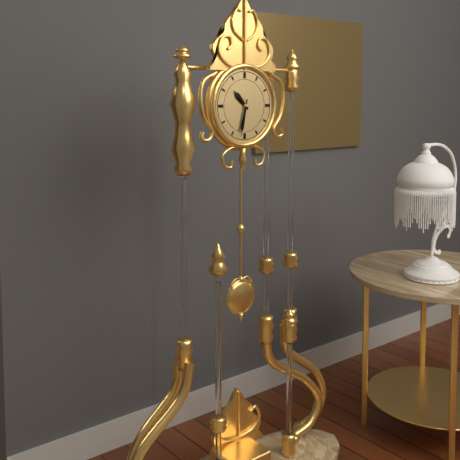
10:32
